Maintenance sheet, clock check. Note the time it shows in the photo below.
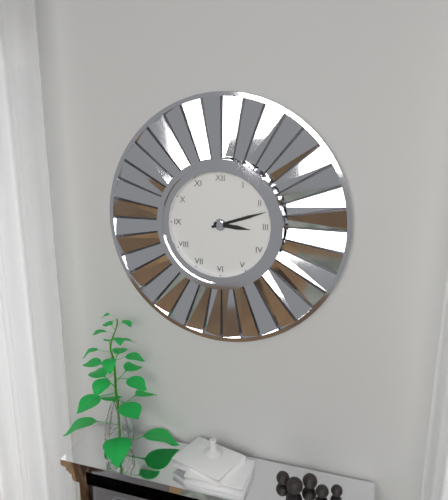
3:12
